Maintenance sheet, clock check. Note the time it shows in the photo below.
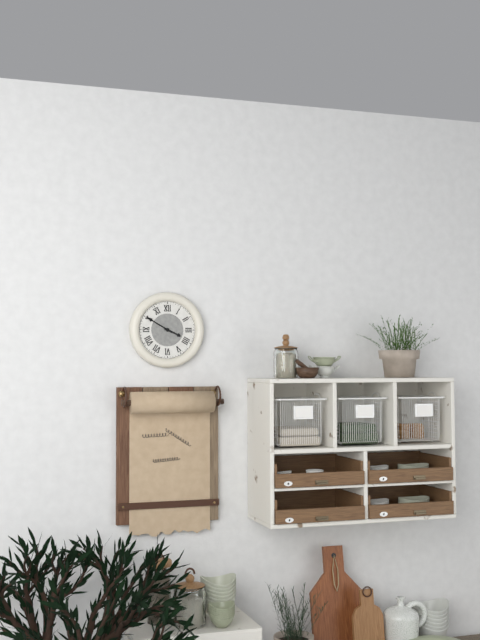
3:50
